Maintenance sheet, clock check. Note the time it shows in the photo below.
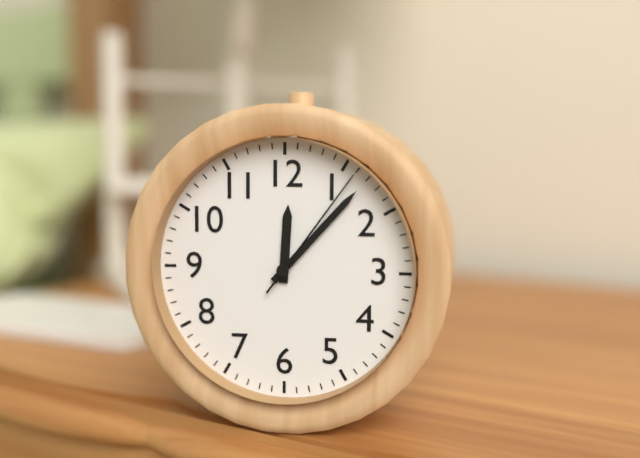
12:07:06
